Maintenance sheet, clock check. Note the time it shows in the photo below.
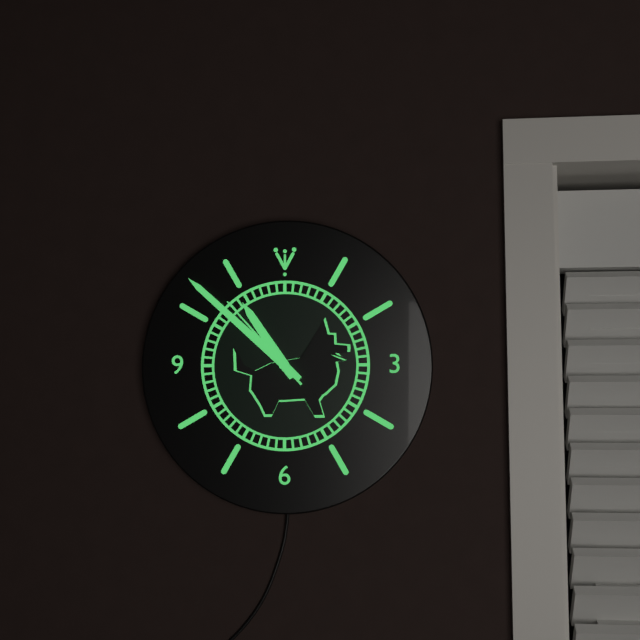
10:52:53
